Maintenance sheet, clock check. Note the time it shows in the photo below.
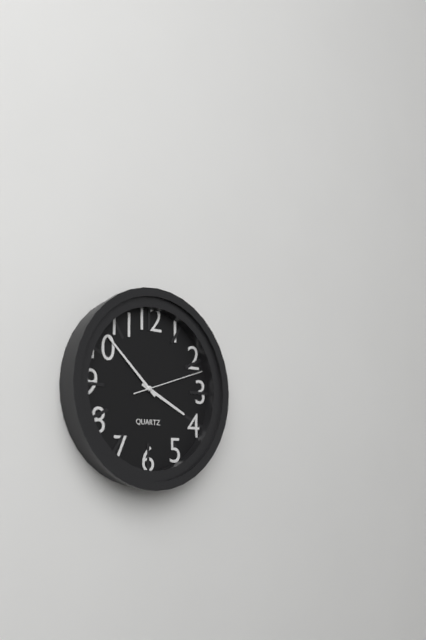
3:52:12
